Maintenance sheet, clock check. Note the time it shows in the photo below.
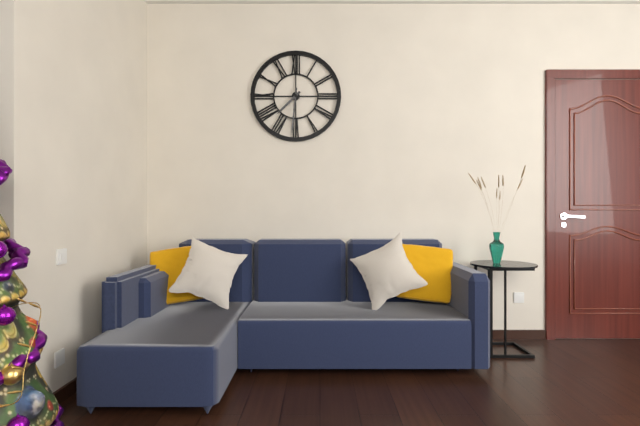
7:31
